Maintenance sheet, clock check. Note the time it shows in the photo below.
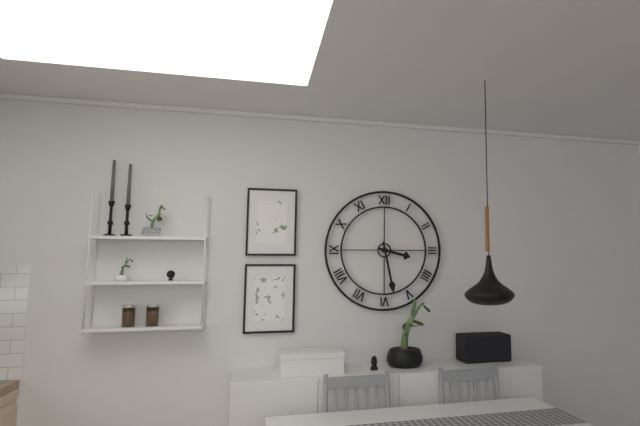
3:28
